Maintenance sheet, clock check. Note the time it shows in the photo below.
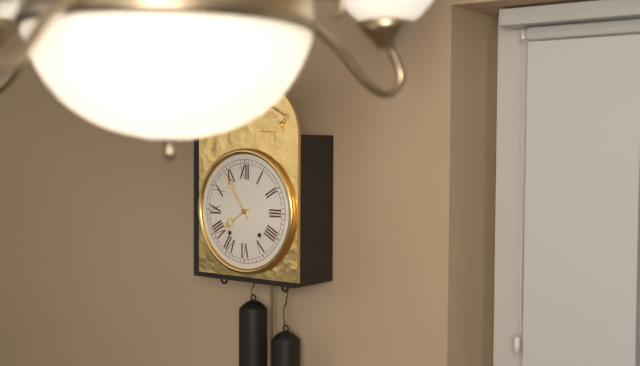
7:54
